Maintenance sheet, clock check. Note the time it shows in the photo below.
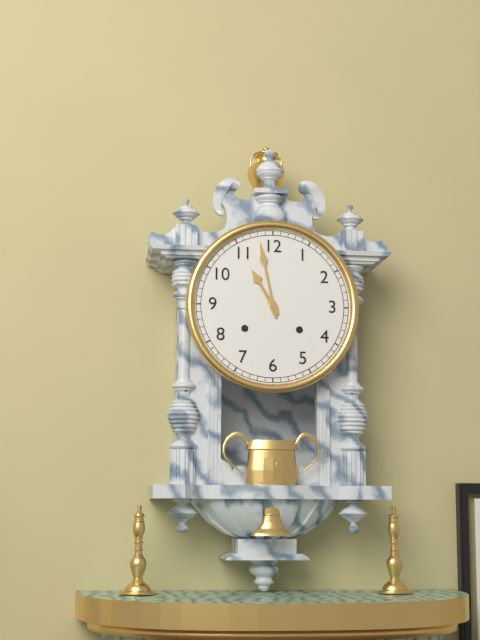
10:58
